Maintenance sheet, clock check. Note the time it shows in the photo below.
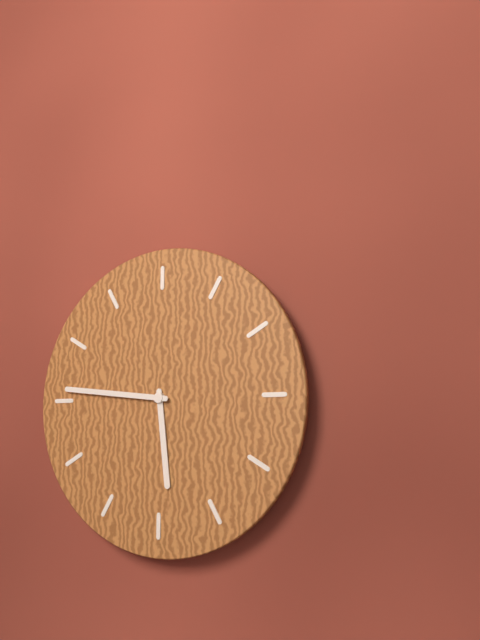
5:46
